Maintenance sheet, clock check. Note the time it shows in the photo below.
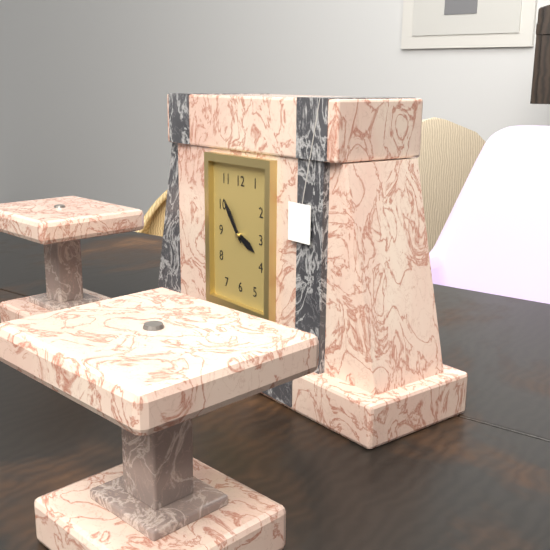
3:54
